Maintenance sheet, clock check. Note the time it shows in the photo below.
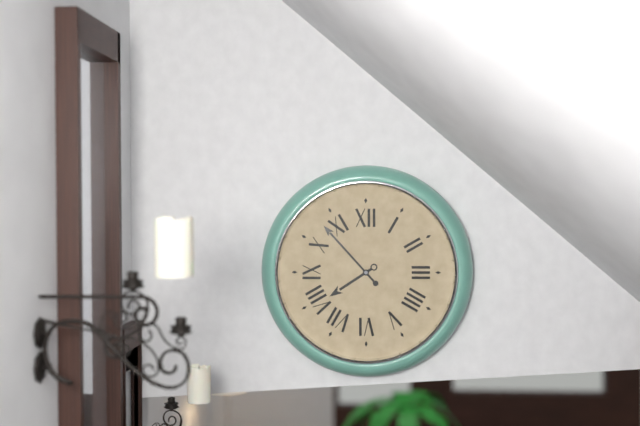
7:53
